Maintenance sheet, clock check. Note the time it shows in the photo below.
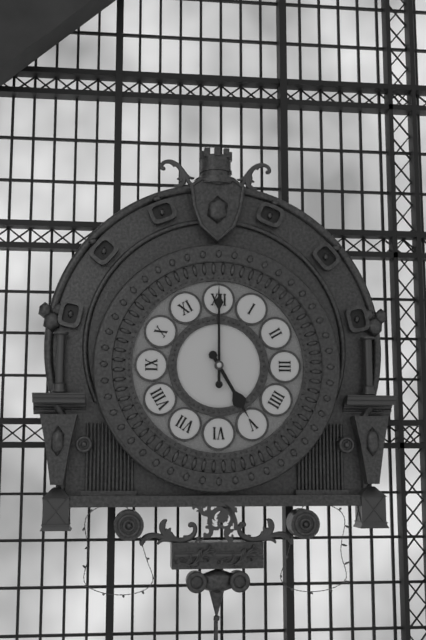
5:00
